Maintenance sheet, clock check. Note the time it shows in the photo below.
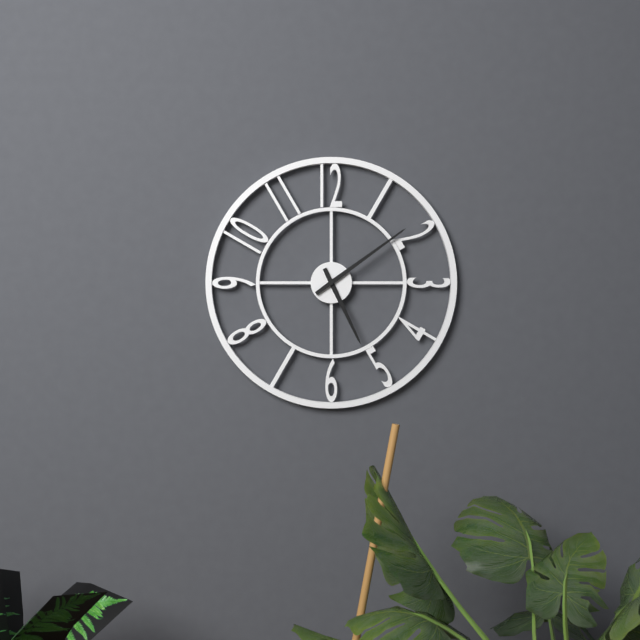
5:09
